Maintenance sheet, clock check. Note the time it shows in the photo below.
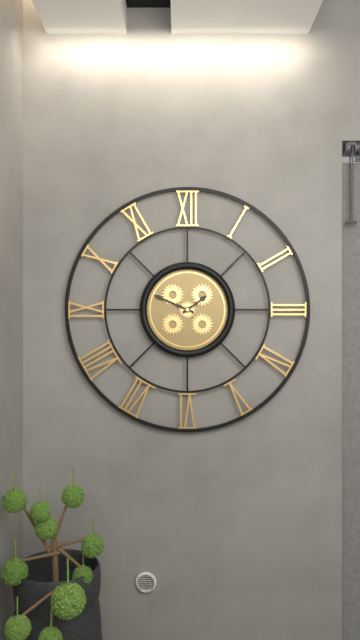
1:49
